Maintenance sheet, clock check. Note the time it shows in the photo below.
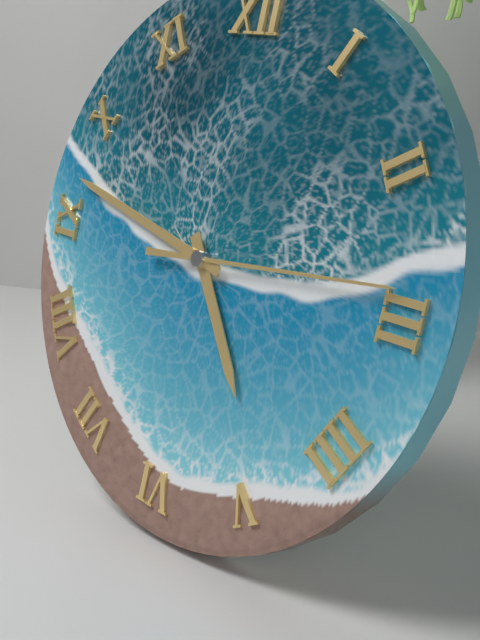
4:47:14
